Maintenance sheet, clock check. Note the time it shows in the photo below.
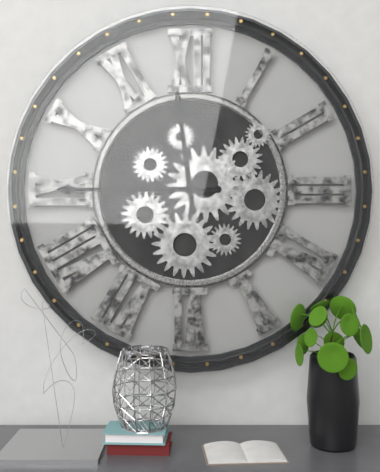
11:45
